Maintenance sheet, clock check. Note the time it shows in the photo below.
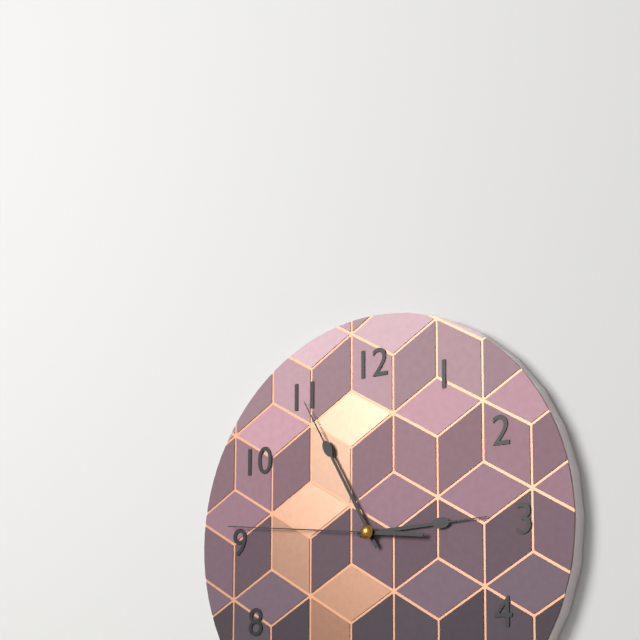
2:55:46
